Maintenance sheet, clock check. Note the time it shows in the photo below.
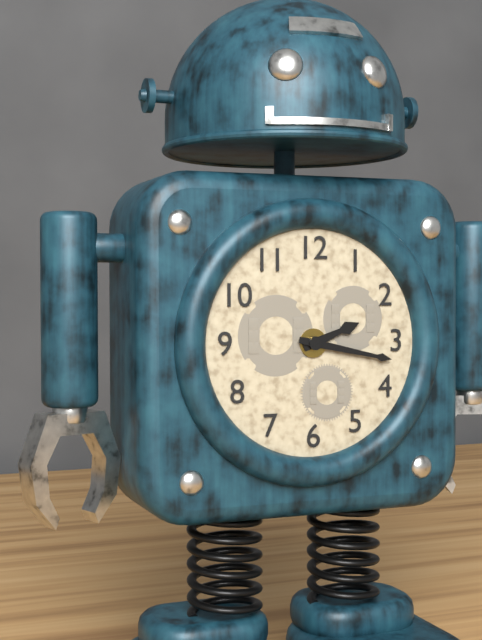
2:17
